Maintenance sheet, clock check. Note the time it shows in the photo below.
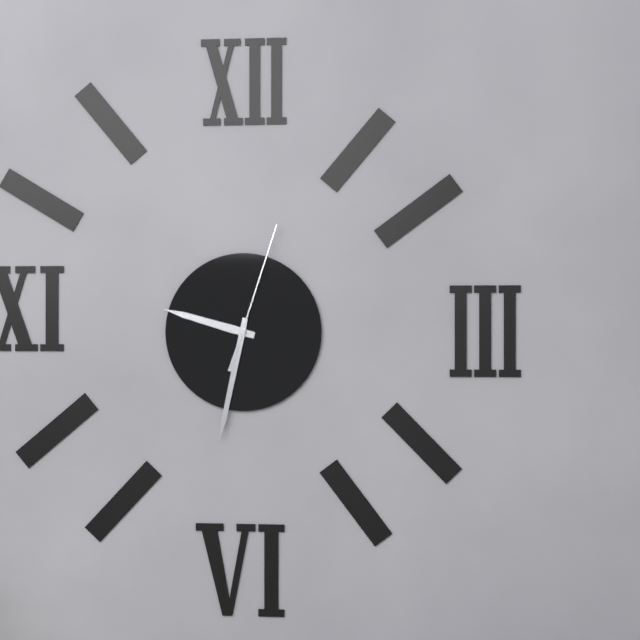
9:32:03
